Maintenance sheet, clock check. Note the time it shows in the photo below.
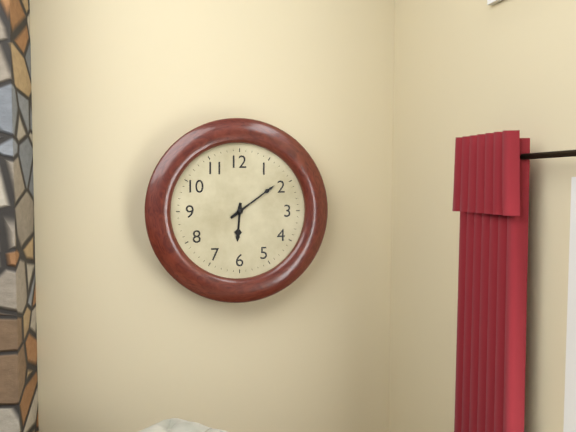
6:09
